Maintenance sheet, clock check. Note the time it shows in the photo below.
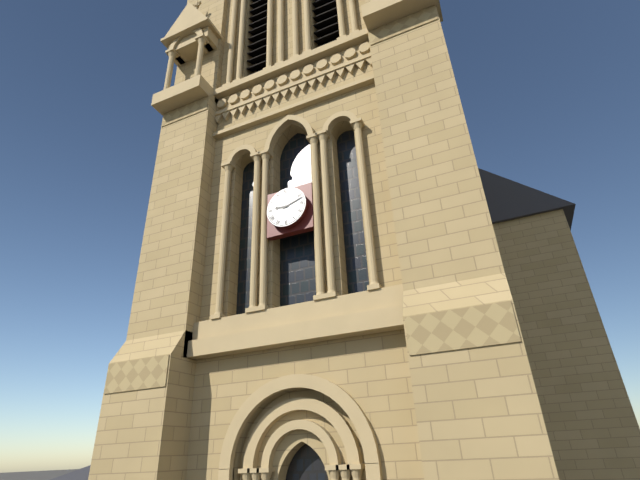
9:12
